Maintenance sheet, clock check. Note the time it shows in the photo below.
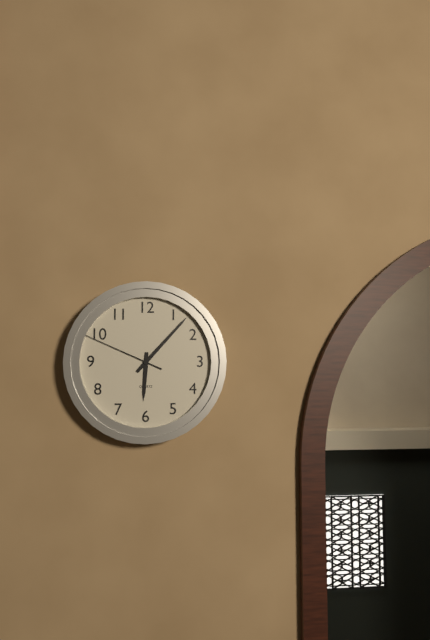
6:07:49
